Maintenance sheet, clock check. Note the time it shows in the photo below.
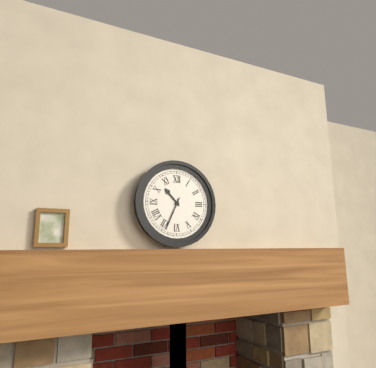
10:34
